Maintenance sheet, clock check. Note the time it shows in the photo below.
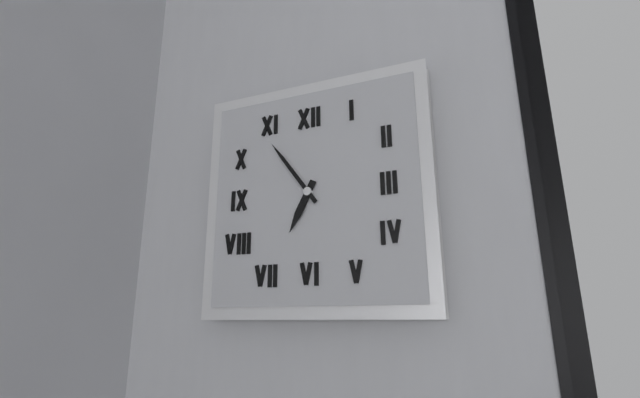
6:54
